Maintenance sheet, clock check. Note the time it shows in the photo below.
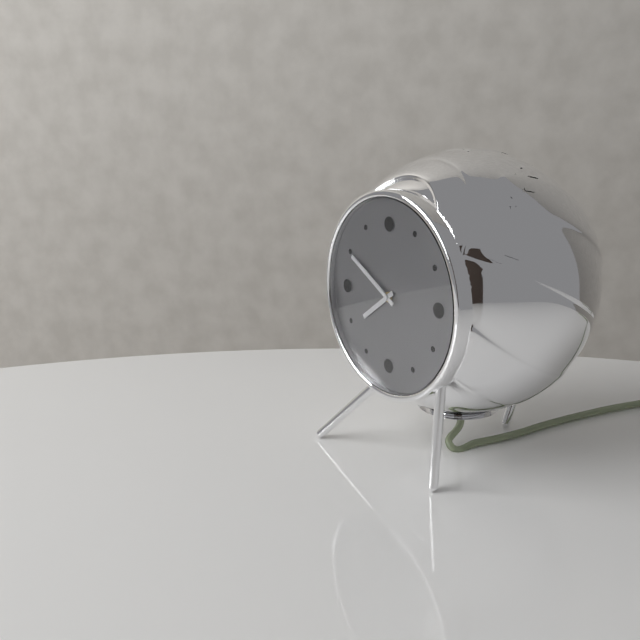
7:50
